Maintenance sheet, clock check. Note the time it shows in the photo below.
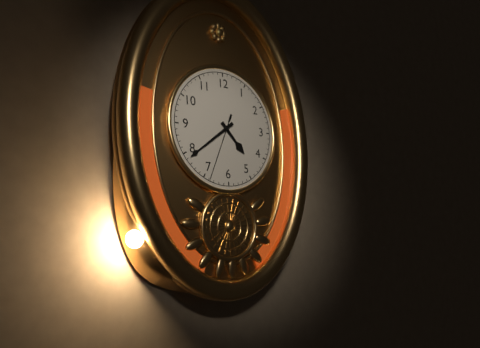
4:39:34
